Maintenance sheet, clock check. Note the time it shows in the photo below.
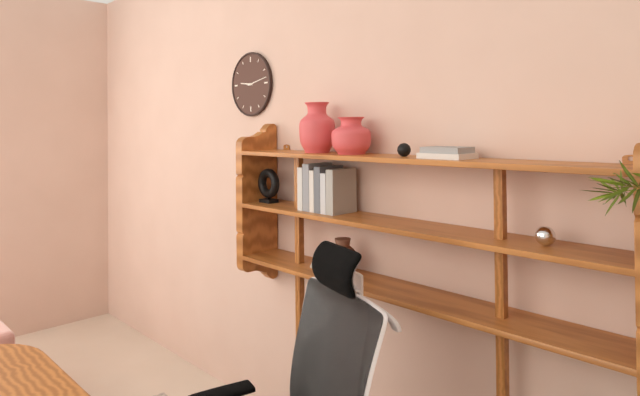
9:13
